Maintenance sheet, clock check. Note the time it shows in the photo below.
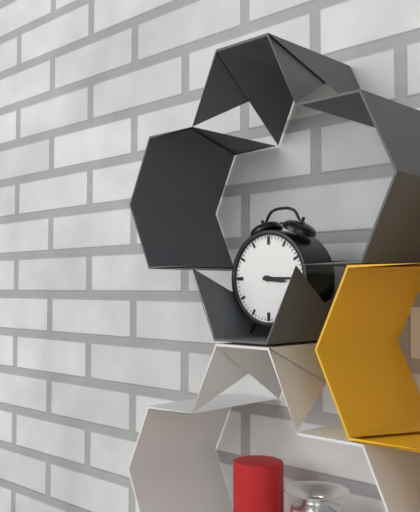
3:15
